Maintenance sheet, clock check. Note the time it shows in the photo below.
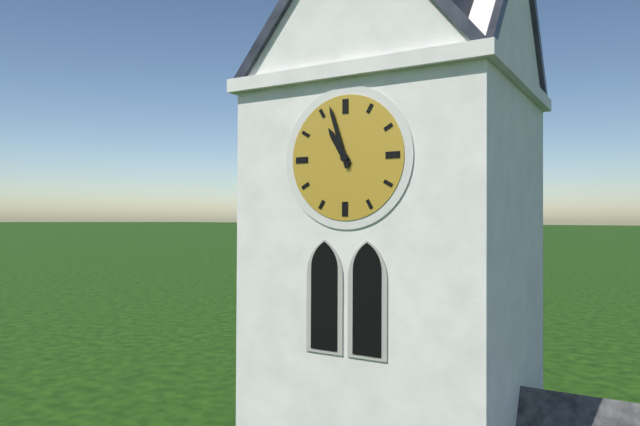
10:57
